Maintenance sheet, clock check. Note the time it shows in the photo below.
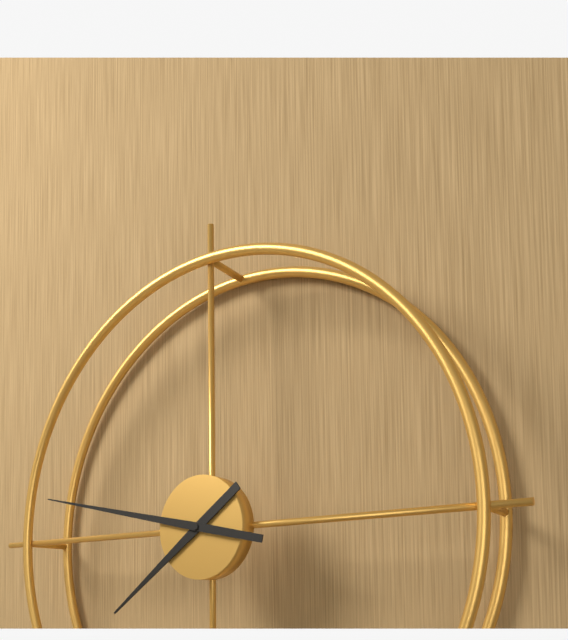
7:47
